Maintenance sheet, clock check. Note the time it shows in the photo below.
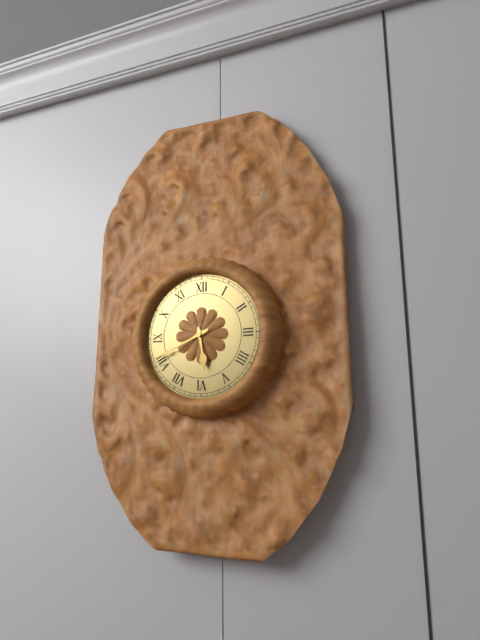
5:41
